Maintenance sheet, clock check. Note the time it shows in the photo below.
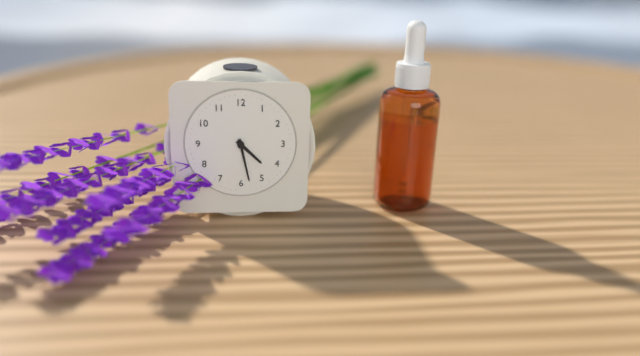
4:28
